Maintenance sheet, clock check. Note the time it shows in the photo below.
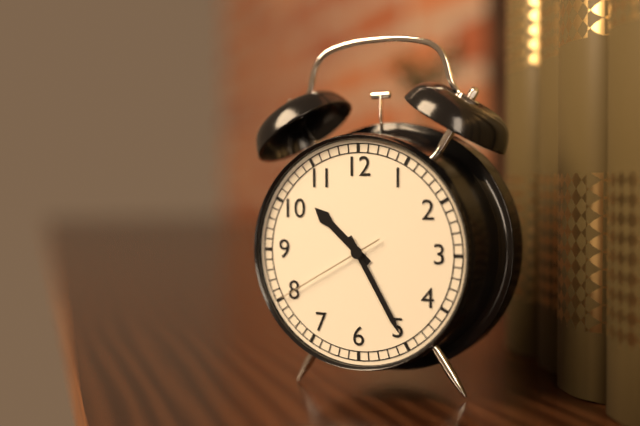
10:25:40
